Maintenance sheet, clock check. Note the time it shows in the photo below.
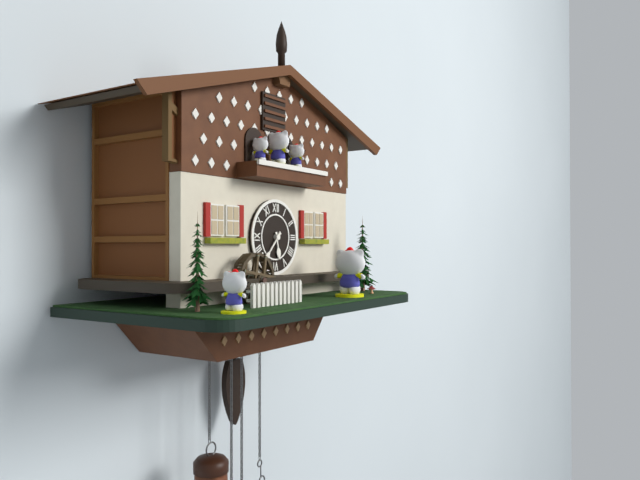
5:37
